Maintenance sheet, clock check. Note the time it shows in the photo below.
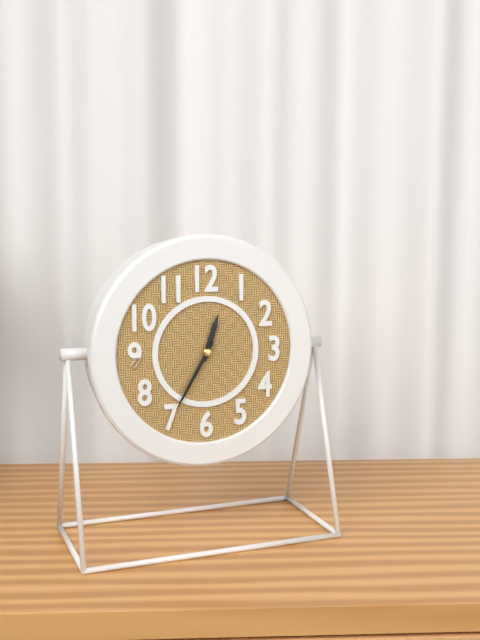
12:35
